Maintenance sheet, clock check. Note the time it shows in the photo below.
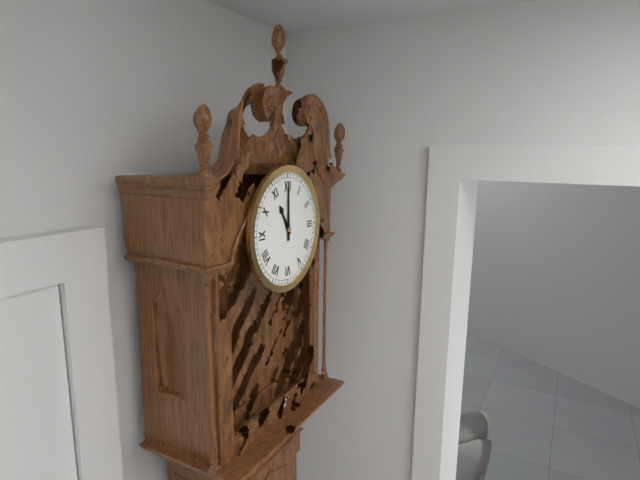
11:00
